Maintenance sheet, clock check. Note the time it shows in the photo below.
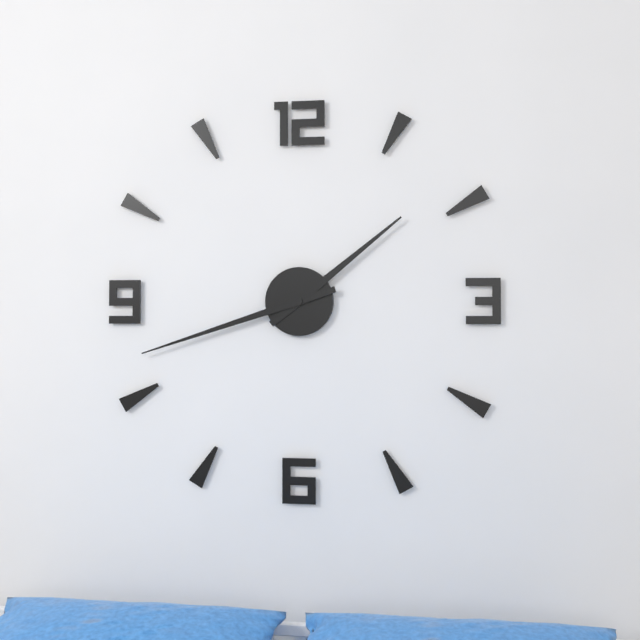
1:42
